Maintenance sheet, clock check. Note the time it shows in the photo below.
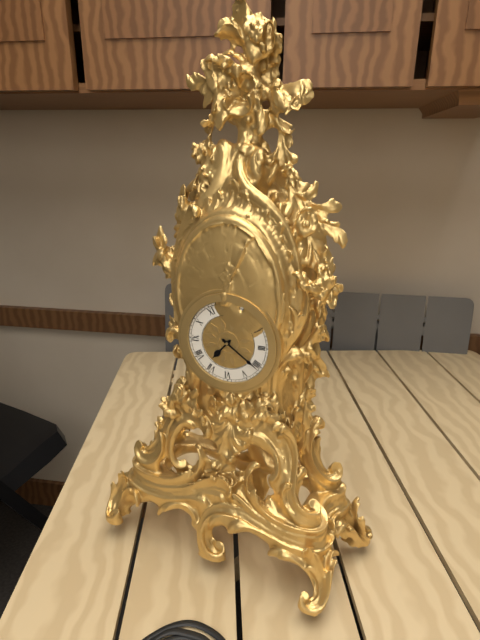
7:21
